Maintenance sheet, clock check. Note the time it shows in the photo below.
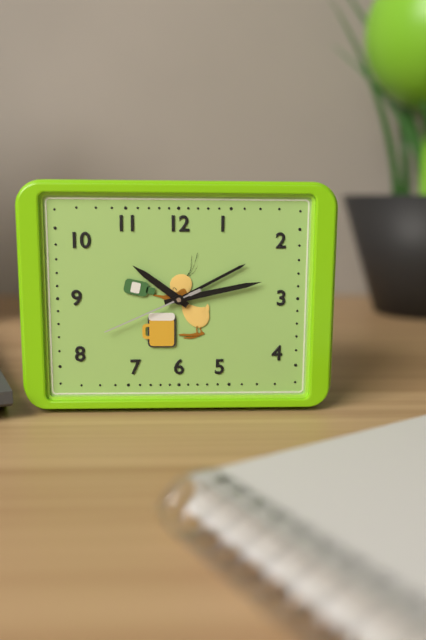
10:13:41
